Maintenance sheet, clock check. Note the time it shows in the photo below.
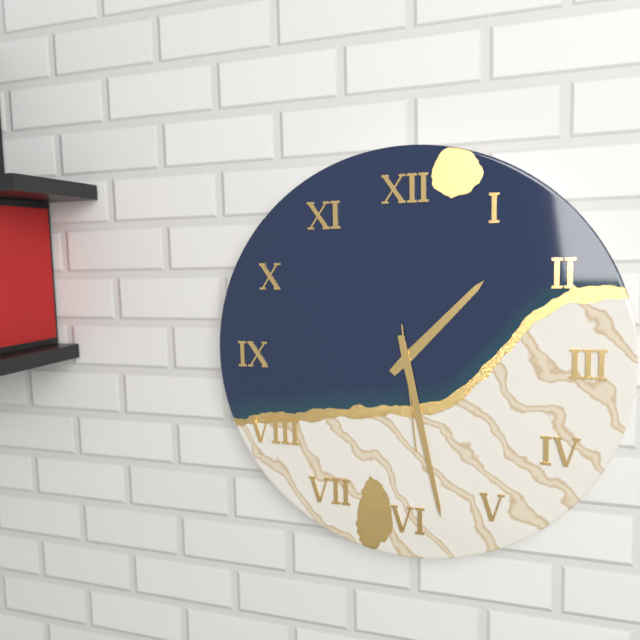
1:28:29
